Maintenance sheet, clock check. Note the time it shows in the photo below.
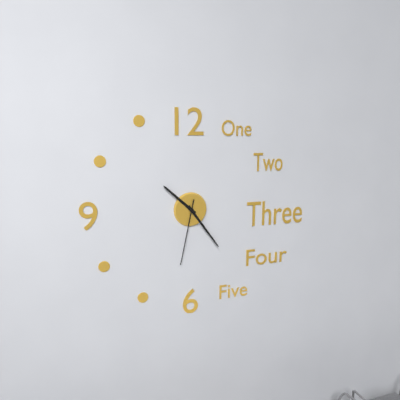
10:24:32
